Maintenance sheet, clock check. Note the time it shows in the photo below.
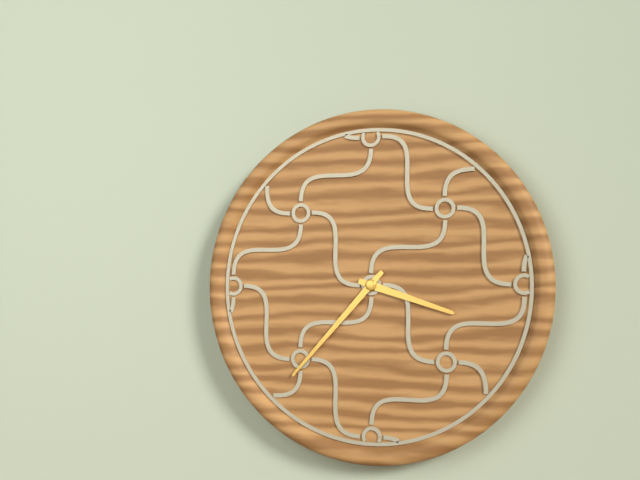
3:37
